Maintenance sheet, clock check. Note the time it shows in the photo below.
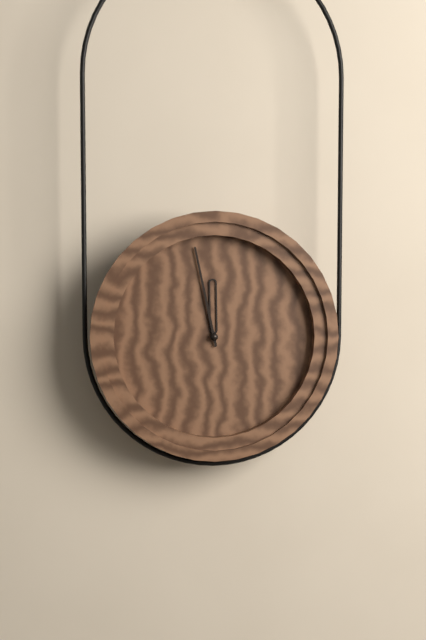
11:58
